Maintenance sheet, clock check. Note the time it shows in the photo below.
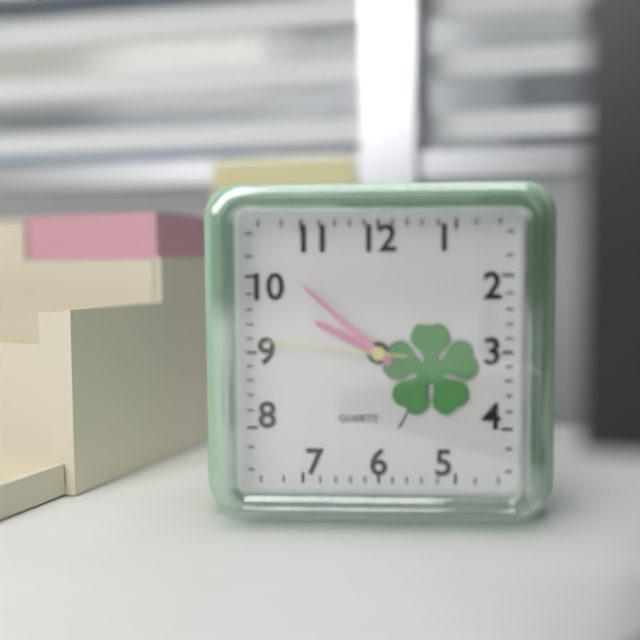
9:52:46
